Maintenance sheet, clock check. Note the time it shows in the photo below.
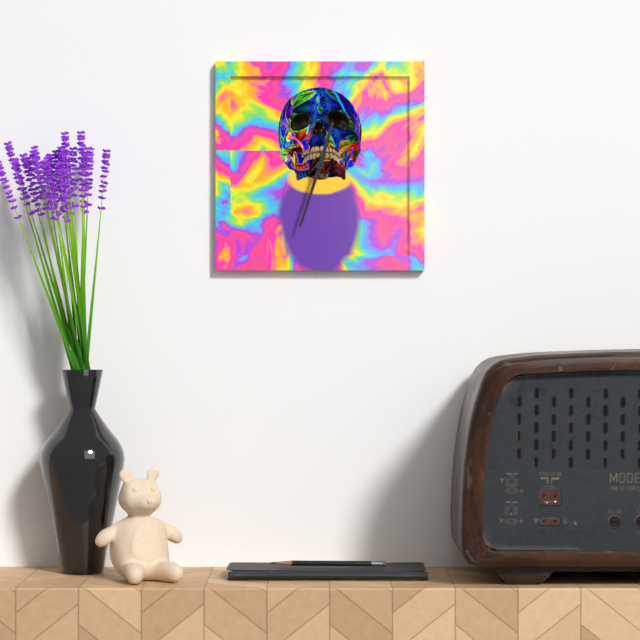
12:33
